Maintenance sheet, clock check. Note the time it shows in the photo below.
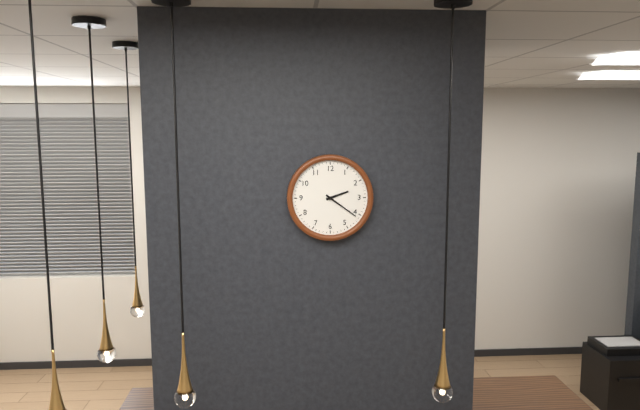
2:21
